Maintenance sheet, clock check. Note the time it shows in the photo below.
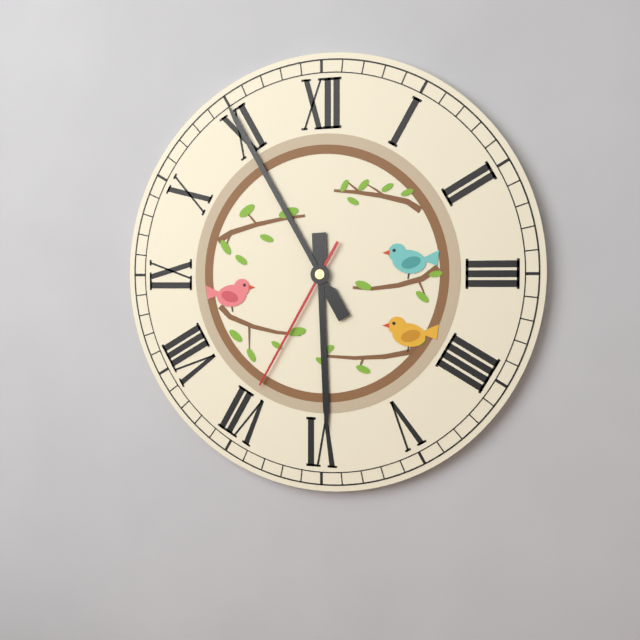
5:55:35
